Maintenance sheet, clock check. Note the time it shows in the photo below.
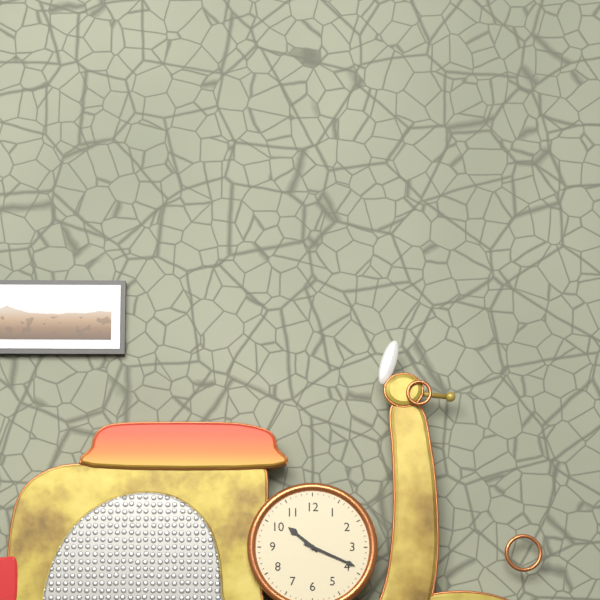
10:19
